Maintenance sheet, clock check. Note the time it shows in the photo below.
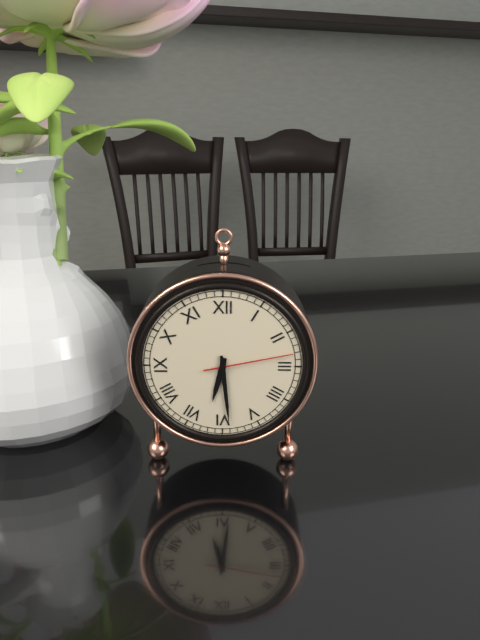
6:29:13
